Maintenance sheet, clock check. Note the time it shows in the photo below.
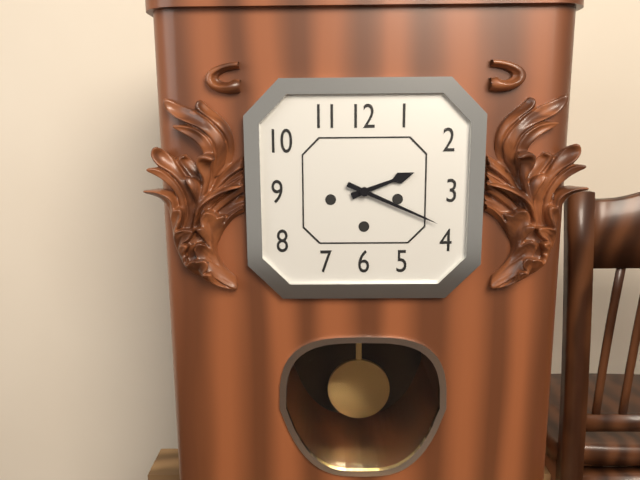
2:19
